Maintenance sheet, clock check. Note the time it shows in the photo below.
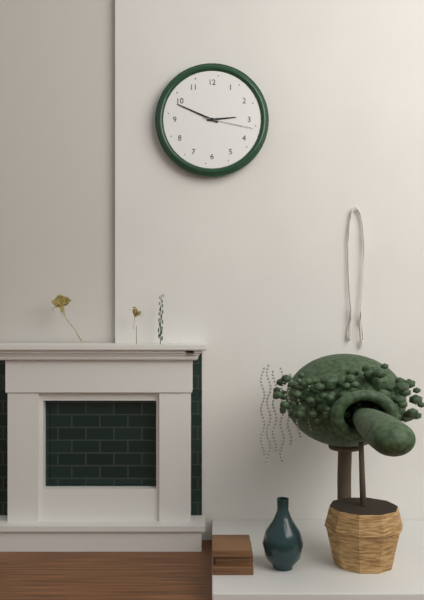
2:49:17
